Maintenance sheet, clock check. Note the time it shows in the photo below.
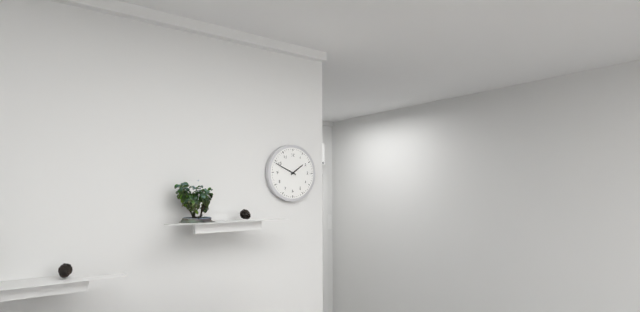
1:49
